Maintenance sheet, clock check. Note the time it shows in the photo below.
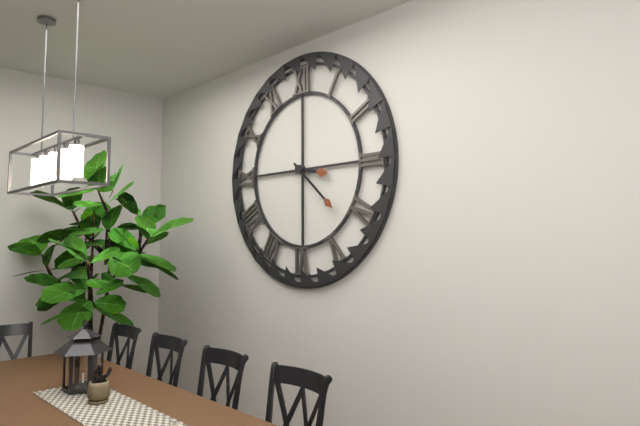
3:22
